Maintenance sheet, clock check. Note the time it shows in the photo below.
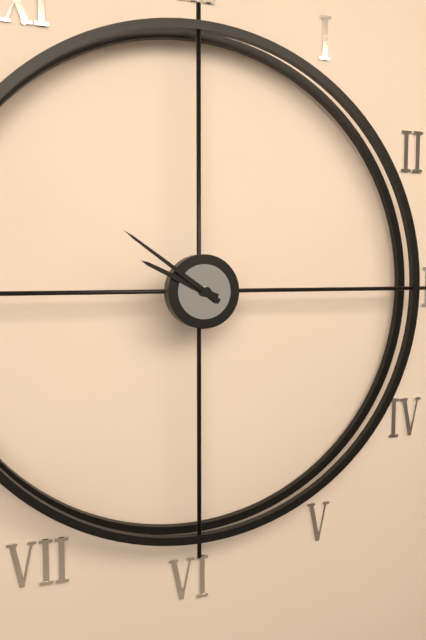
9:51
